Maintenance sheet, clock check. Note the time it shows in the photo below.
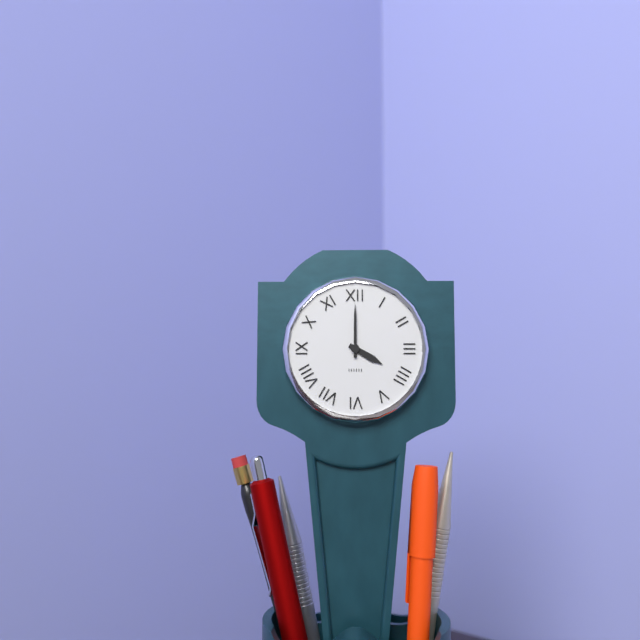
4:00
